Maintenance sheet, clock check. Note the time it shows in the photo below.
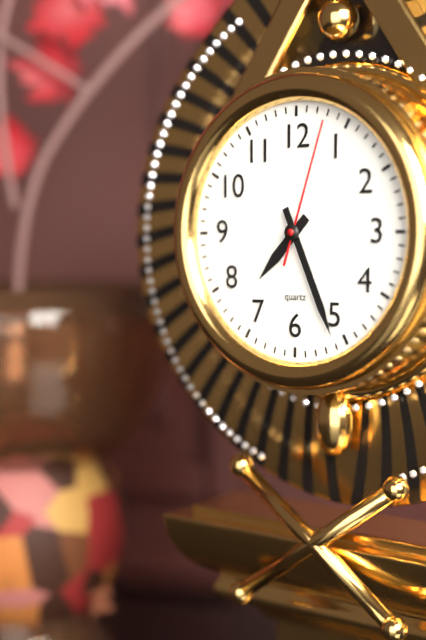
7:26:03
